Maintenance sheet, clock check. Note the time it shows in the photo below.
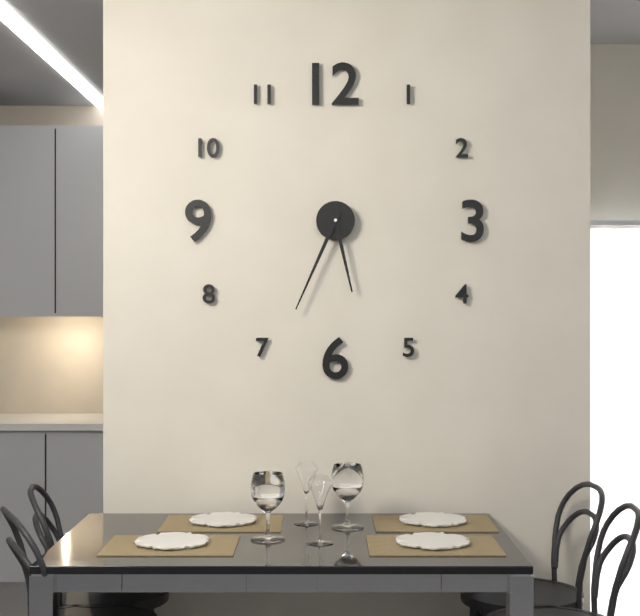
5:34
